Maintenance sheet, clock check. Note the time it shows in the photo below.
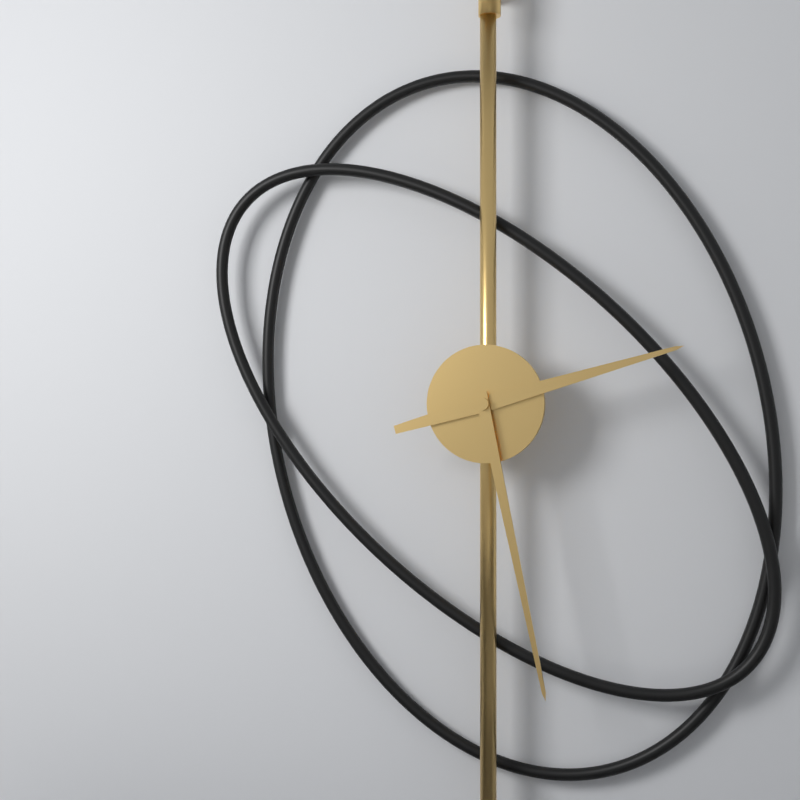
2:28
